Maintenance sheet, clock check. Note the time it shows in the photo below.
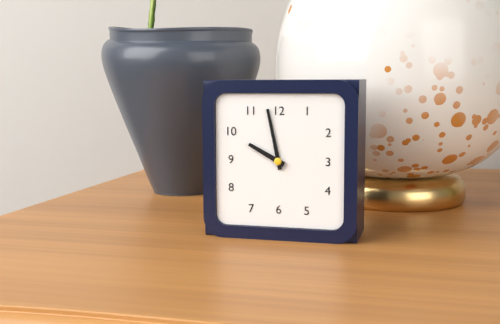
9:58
